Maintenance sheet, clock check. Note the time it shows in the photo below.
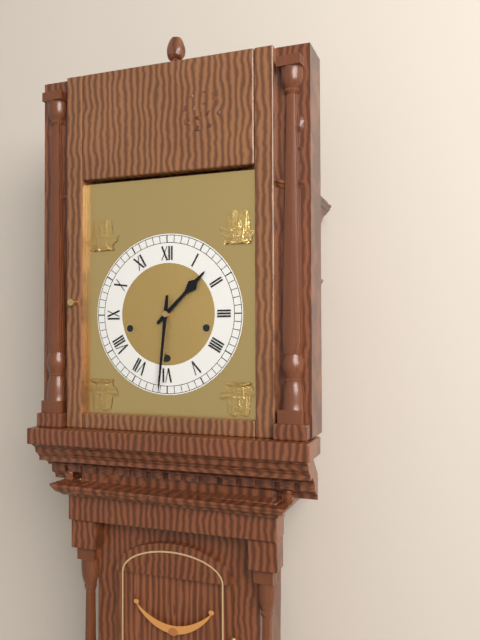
1:31
